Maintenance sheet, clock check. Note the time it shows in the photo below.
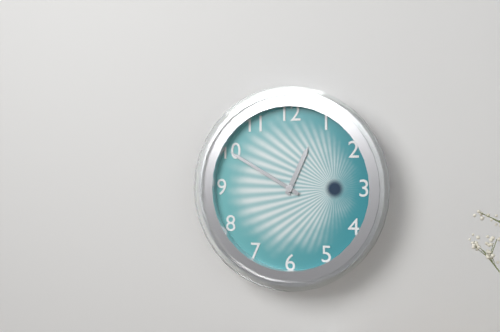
12:50
